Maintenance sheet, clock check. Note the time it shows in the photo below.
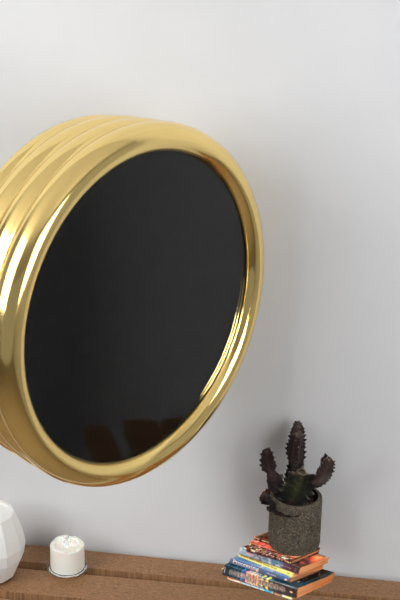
2:28:43
